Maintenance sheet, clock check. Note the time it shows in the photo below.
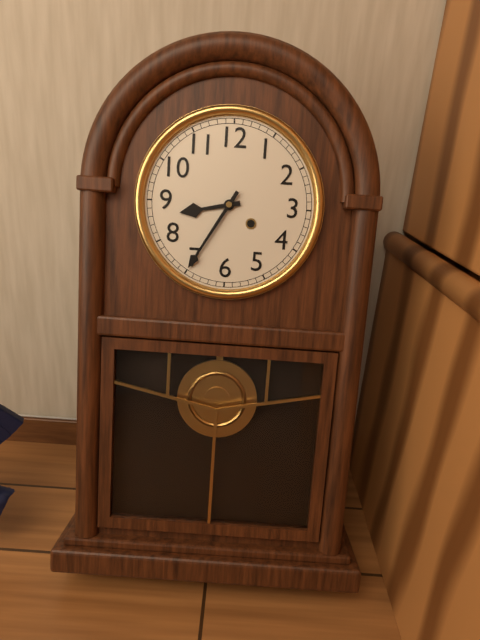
8:35
